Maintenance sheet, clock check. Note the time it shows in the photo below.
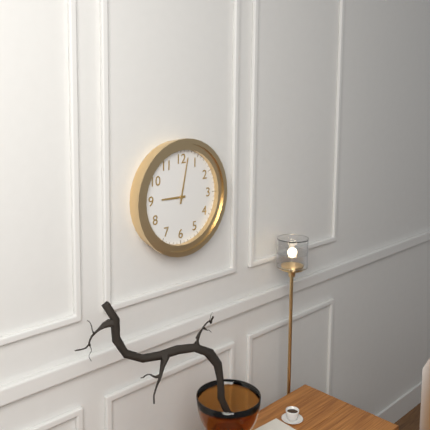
9:02
